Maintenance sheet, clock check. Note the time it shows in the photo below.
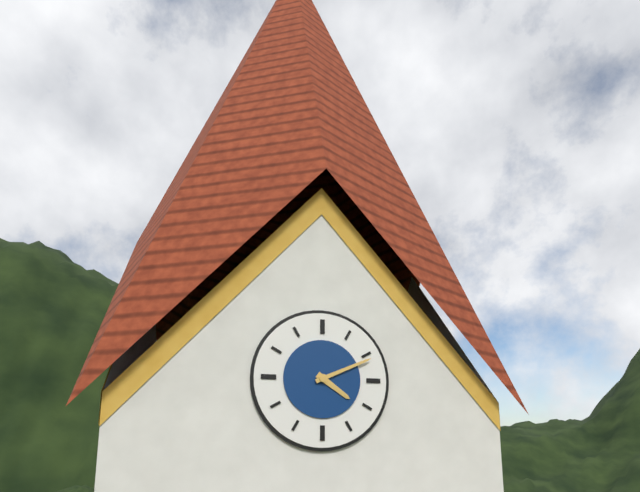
4:11
